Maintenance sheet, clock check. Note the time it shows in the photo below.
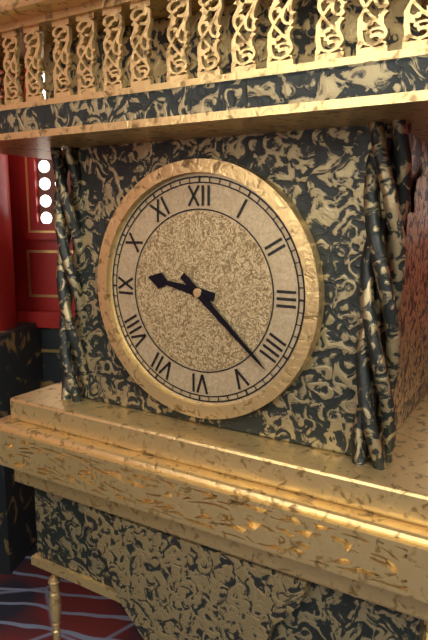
9:22
